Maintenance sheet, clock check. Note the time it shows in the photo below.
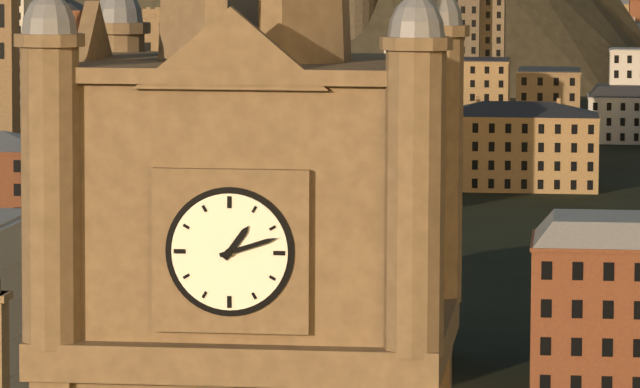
1:12
